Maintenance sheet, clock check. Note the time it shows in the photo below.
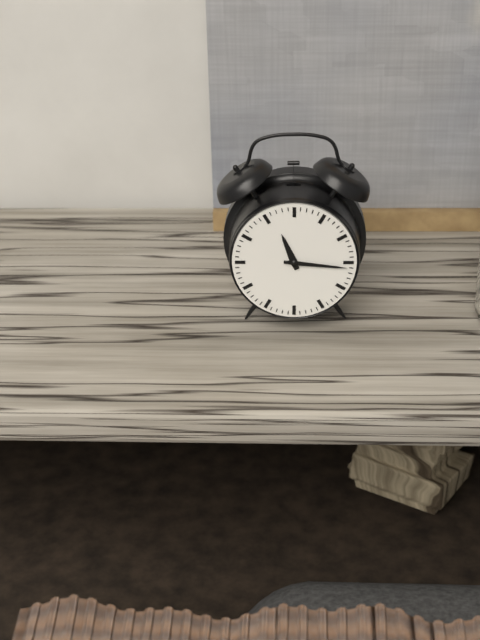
11:16
